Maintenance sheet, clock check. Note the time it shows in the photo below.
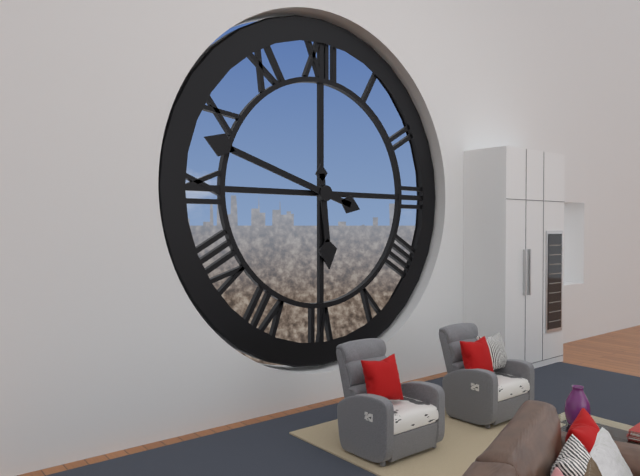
5:48
